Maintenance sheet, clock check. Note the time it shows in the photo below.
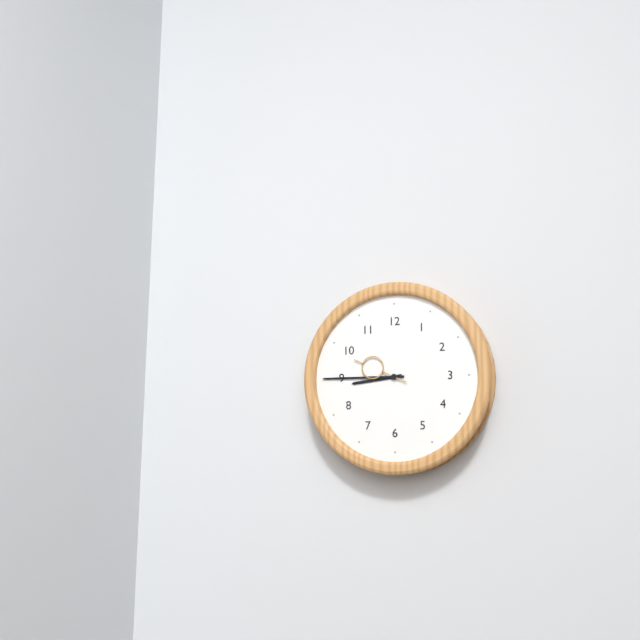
8:45:49
